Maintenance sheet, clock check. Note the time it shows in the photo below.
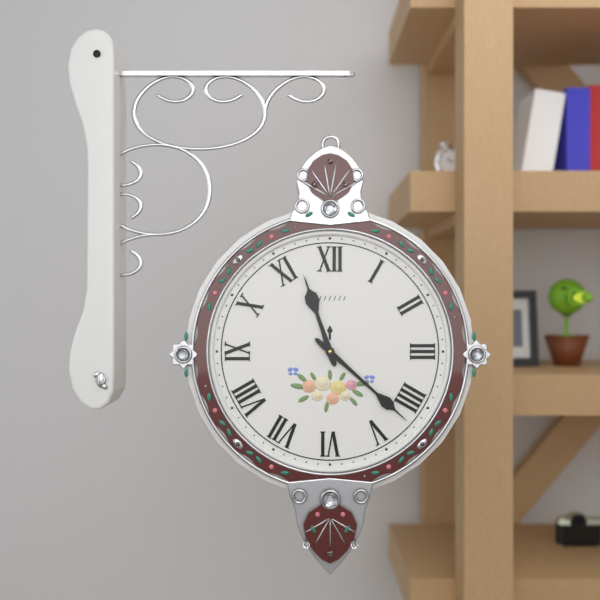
11:22
